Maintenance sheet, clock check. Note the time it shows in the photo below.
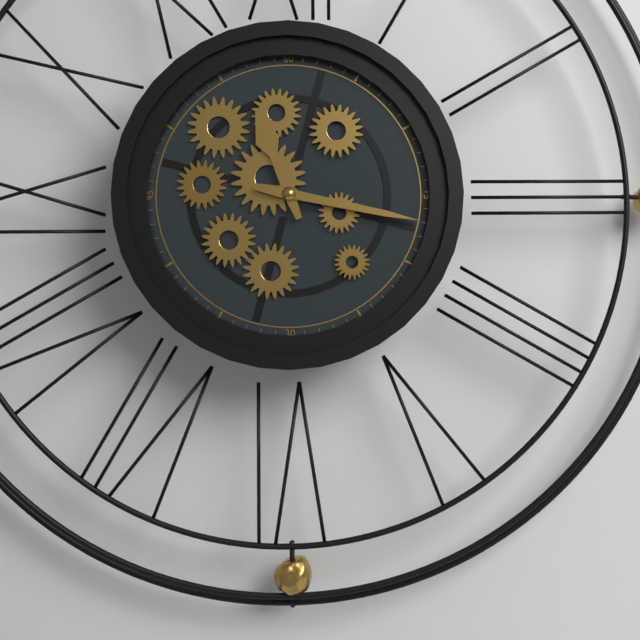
11:17
